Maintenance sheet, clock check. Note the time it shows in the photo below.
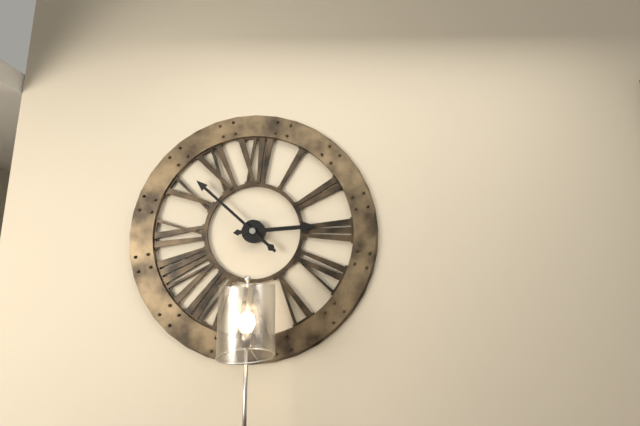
2:52
